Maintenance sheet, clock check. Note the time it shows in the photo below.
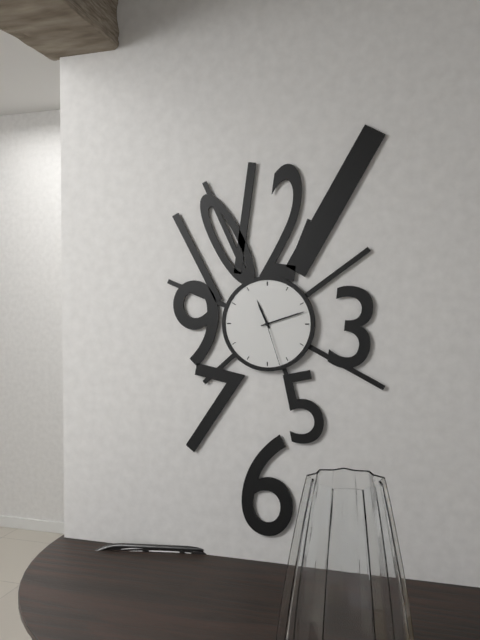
11:12:27
